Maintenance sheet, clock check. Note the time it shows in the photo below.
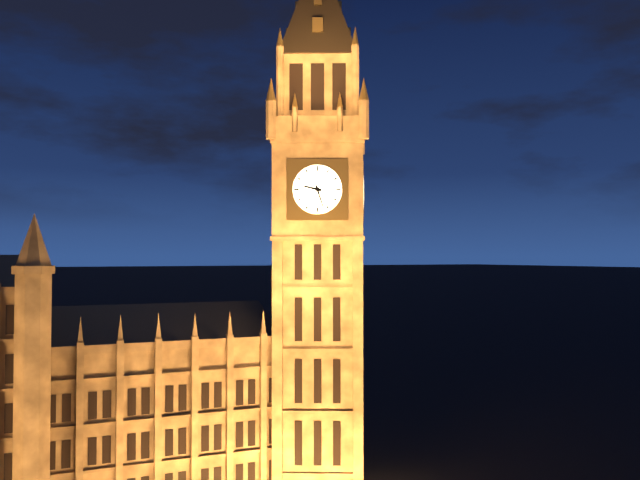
9:27
